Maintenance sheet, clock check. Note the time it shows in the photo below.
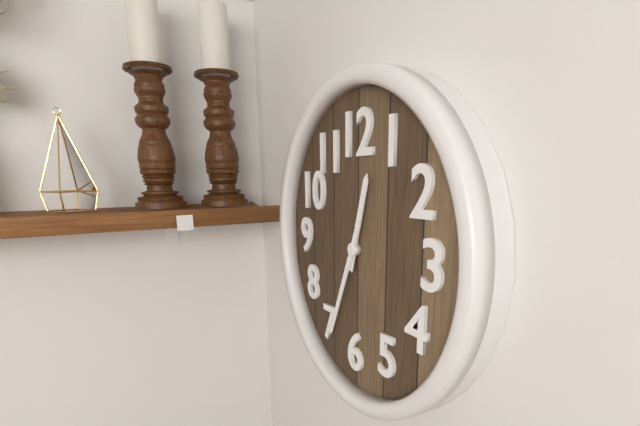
12:34
